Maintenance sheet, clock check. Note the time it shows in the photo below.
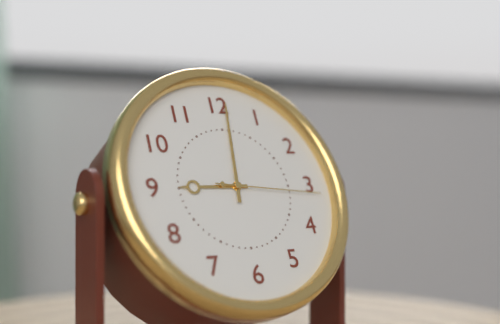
9:01:16
